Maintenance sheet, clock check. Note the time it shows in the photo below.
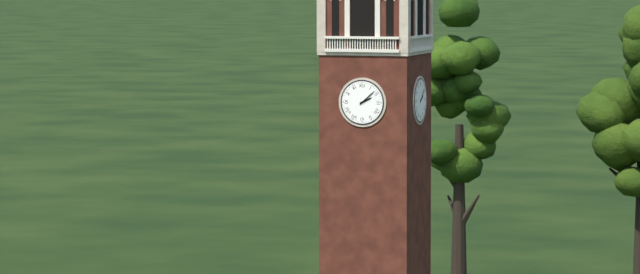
2:08
